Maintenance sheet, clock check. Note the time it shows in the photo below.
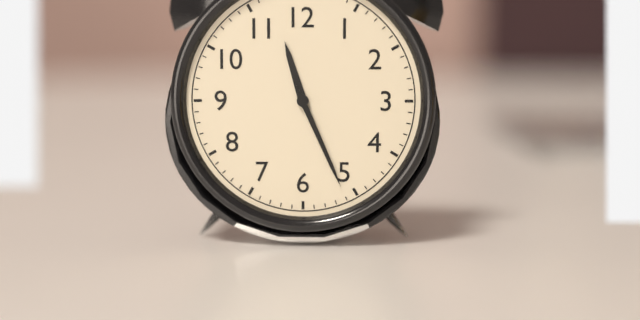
11:26
